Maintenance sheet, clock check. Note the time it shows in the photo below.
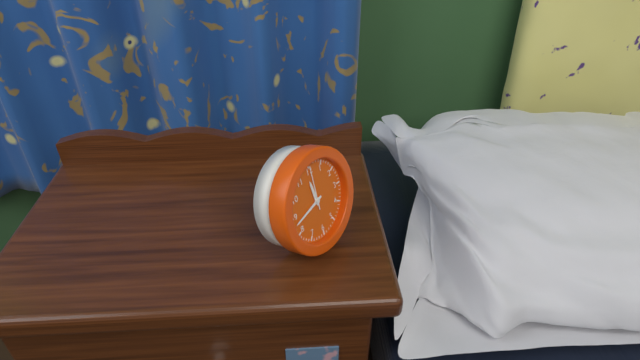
11:43
